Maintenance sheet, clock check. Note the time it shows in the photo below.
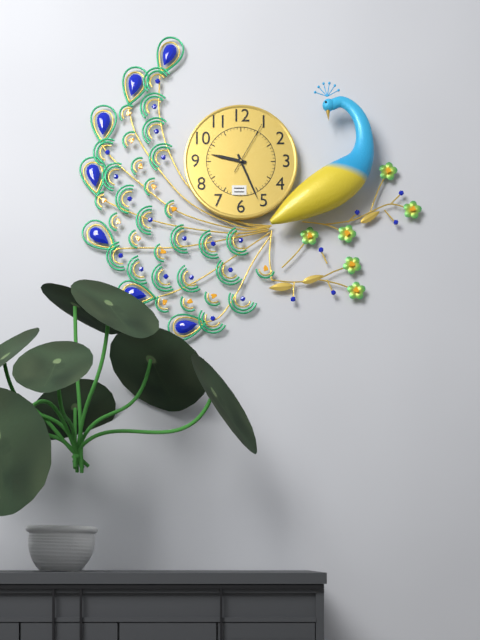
9:26:05
